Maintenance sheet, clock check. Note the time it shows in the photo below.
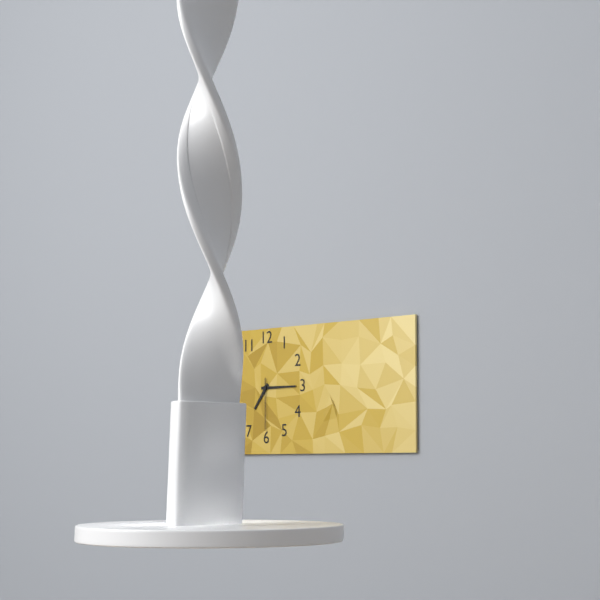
7:15:30
